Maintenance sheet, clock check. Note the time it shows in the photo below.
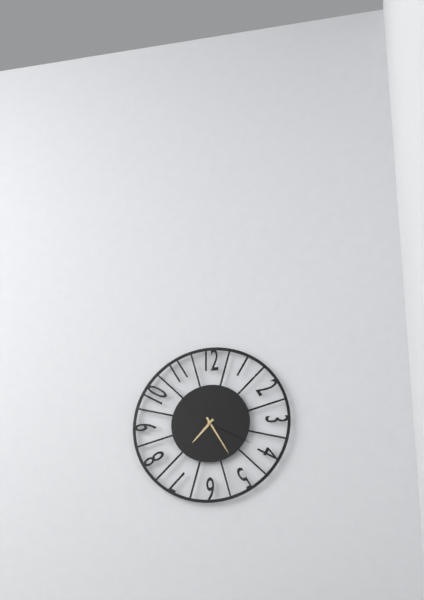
7:25:20
